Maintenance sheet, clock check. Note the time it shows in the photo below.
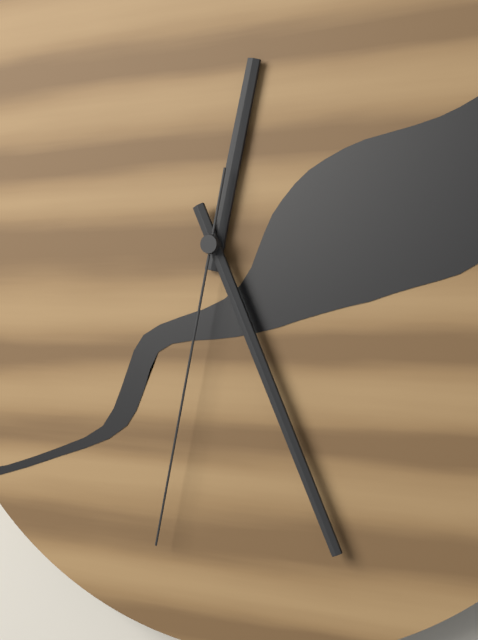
12:26:32
